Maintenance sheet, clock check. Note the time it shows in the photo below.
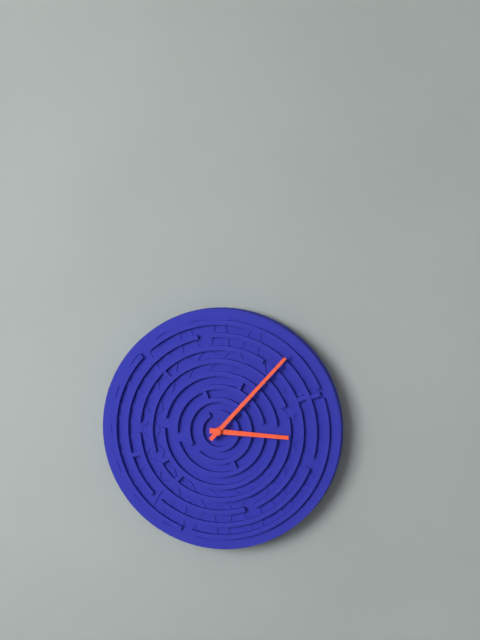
3:07
